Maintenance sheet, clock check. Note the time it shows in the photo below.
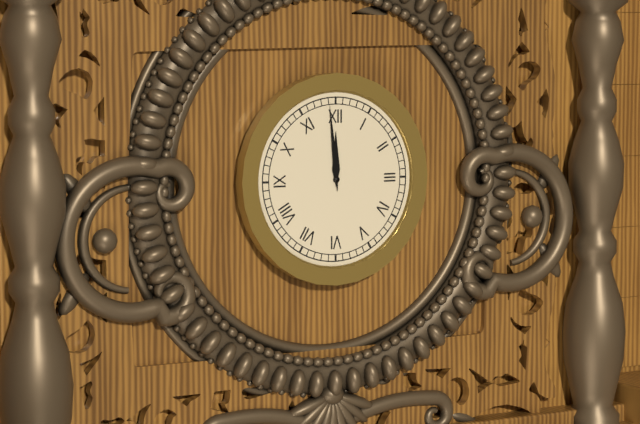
11:59
